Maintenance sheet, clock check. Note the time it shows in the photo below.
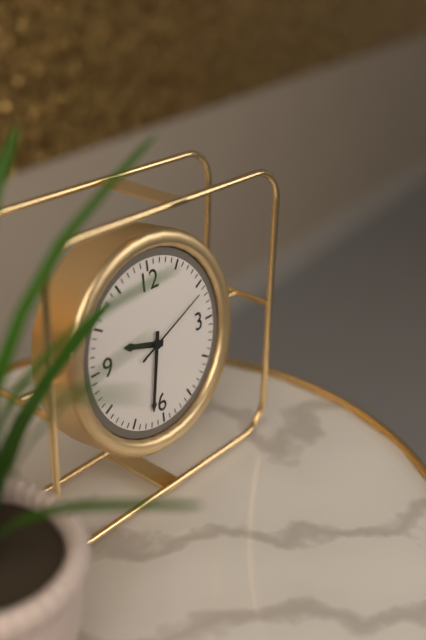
9:32:11
